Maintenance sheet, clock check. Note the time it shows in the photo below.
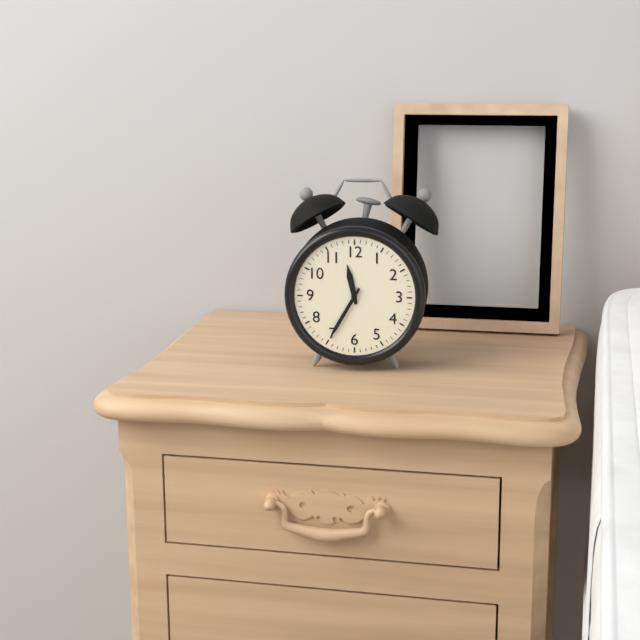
11:35
